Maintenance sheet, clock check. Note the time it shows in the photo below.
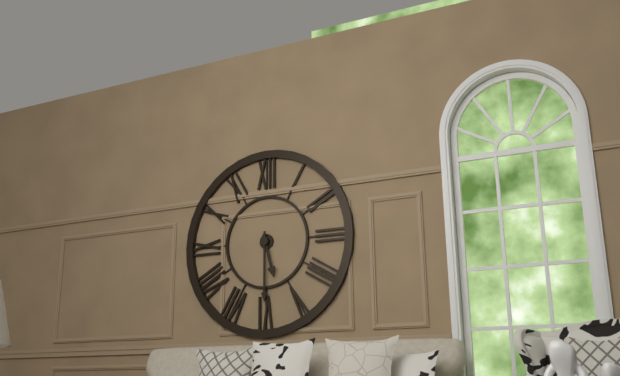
5:30
